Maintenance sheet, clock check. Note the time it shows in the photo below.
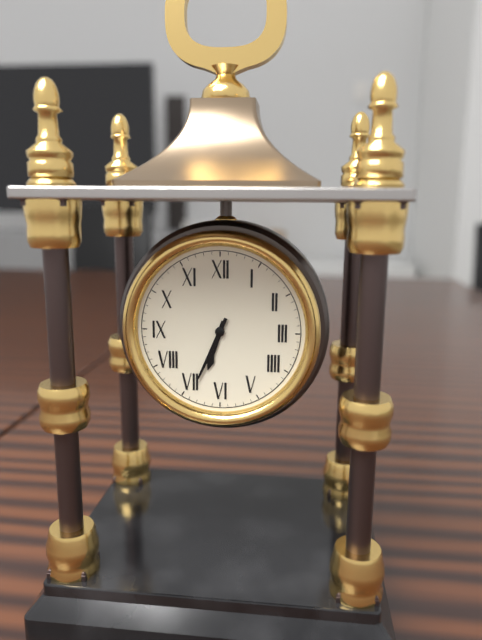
6:34
